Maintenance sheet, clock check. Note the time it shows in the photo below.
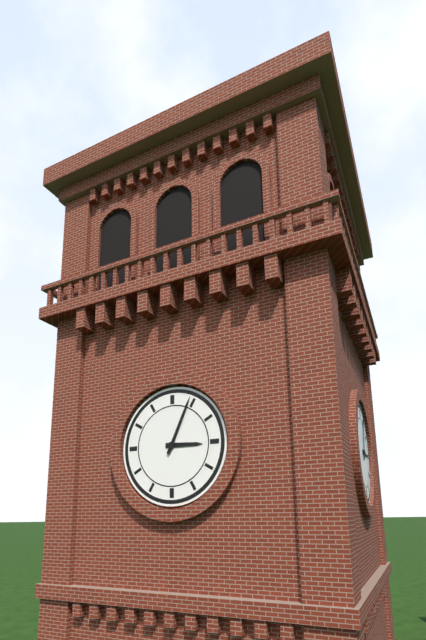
3:04
